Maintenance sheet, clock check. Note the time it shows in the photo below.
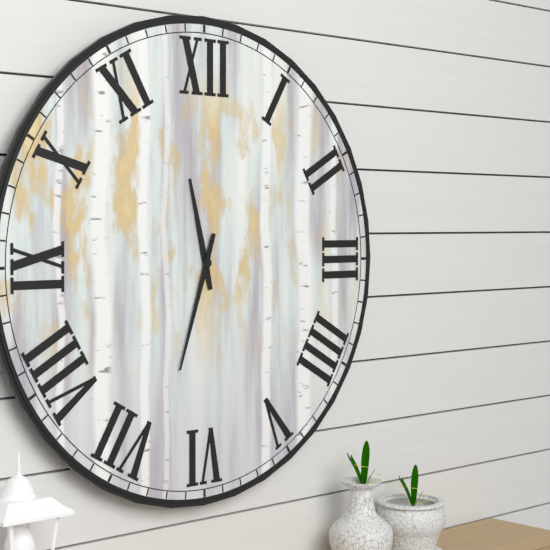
11:33
